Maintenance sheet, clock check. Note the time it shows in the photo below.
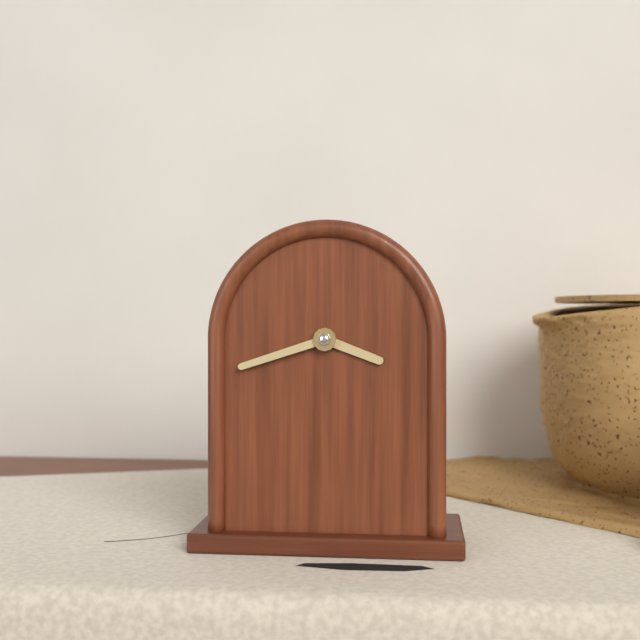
3:42
